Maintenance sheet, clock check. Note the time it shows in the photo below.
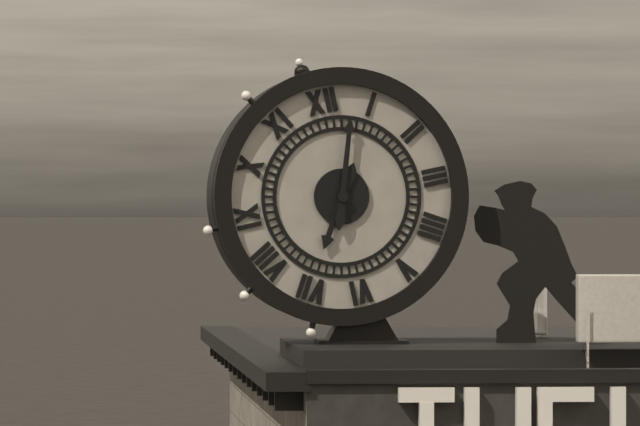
7:03
